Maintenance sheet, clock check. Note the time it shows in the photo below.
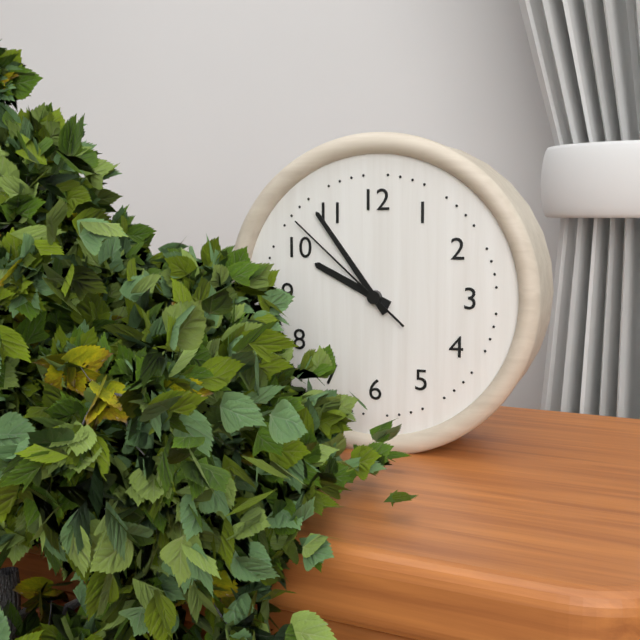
9:54:52
